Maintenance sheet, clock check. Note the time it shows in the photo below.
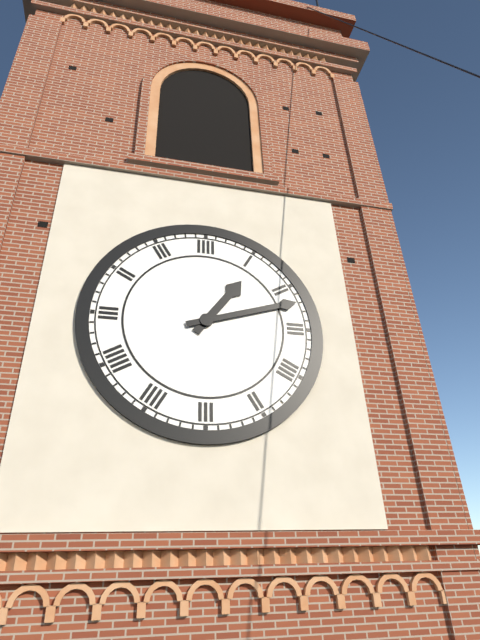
1:12
